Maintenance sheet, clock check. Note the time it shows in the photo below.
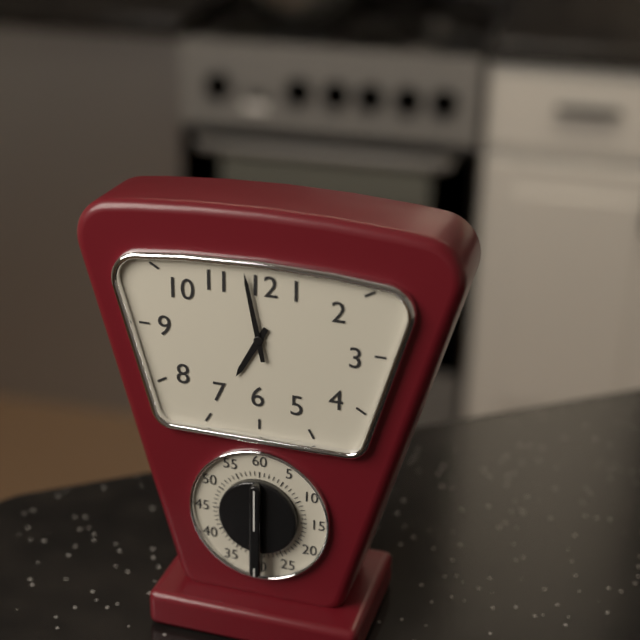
6:58
